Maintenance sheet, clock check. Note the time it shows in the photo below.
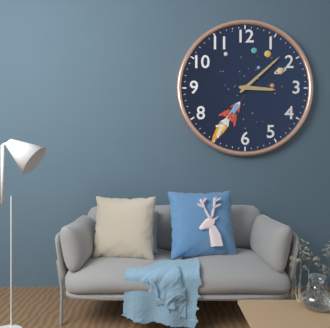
3:08
